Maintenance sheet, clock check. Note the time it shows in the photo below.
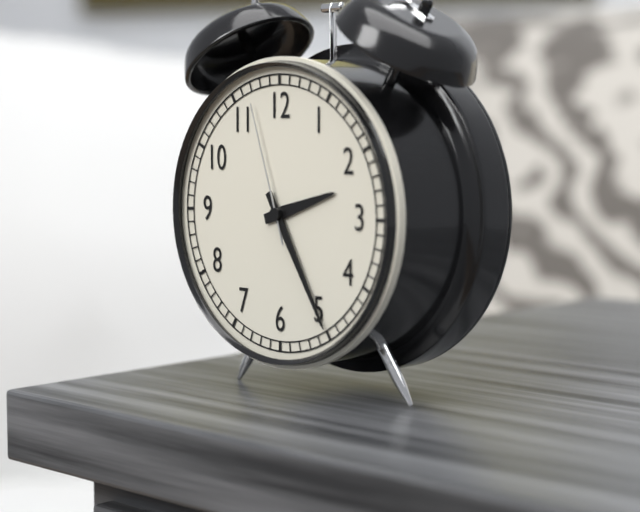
2:25:57
